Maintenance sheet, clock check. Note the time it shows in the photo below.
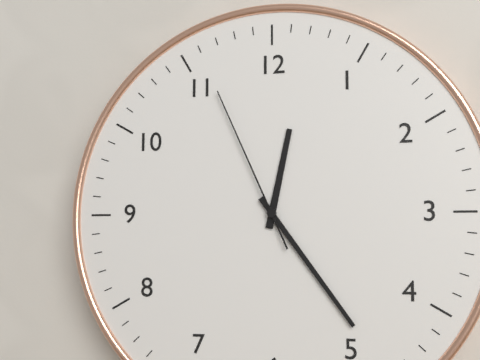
12:24:56
